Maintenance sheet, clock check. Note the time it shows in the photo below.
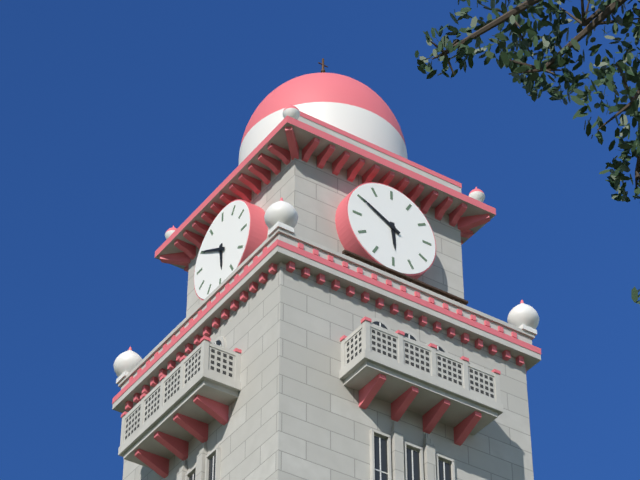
5:50
